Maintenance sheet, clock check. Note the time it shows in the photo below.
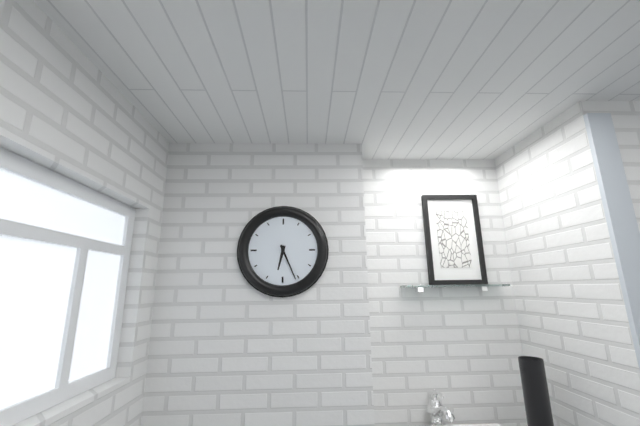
6:26
